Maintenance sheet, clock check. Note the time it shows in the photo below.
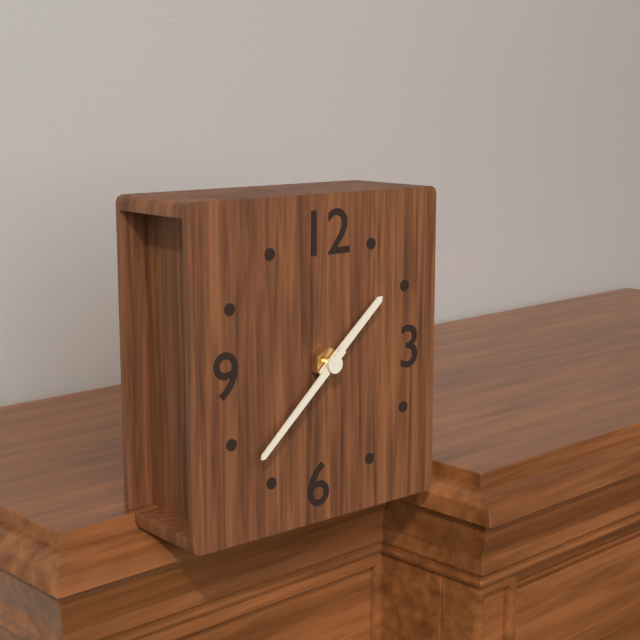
1:38
